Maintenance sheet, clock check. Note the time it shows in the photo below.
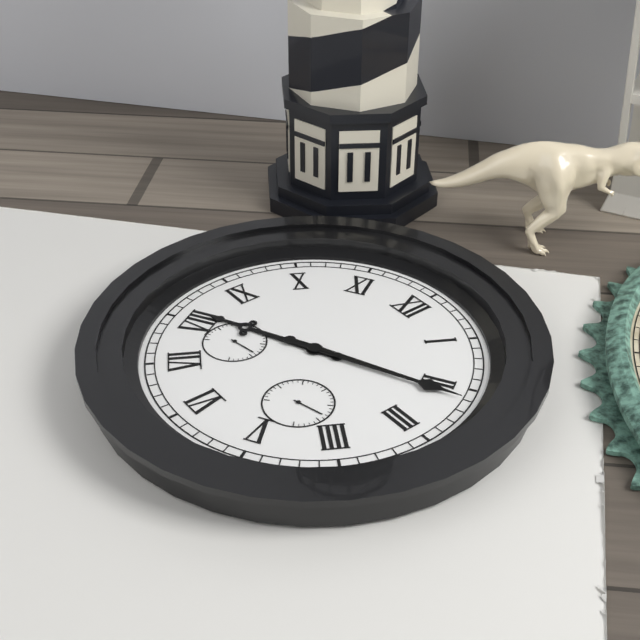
8:11
